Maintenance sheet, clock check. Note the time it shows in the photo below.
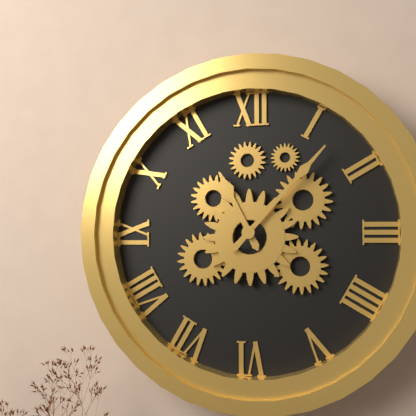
11:07
